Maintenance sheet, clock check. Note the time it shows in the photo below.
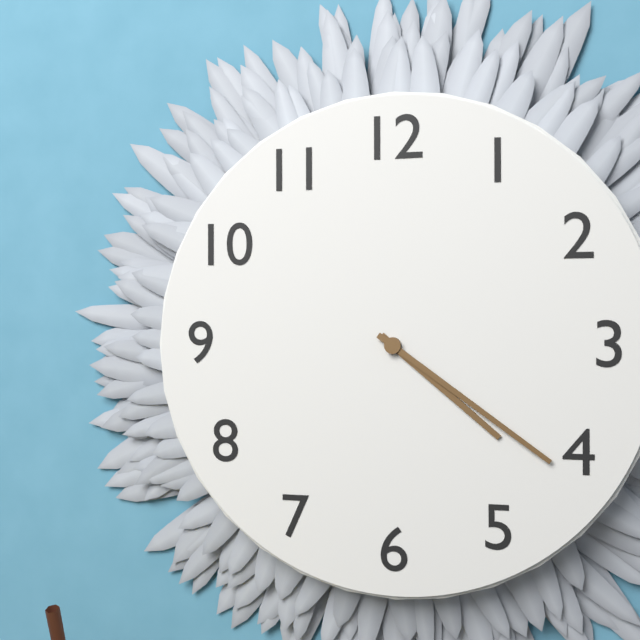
4:21
